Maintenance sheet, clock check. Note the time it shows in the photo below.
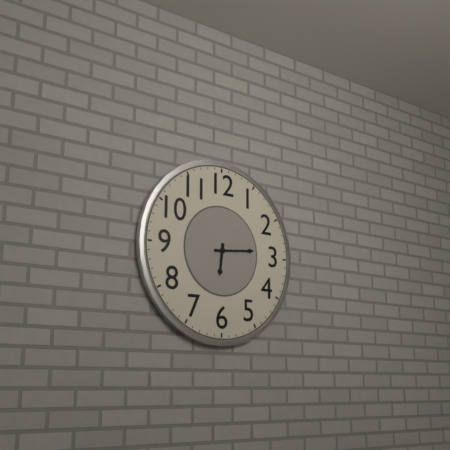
6:14
